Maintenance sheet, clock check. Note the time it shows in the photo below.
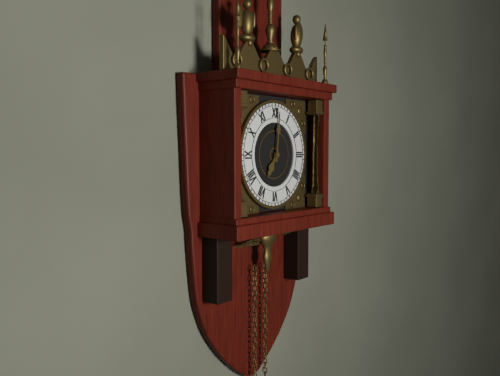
7:01
